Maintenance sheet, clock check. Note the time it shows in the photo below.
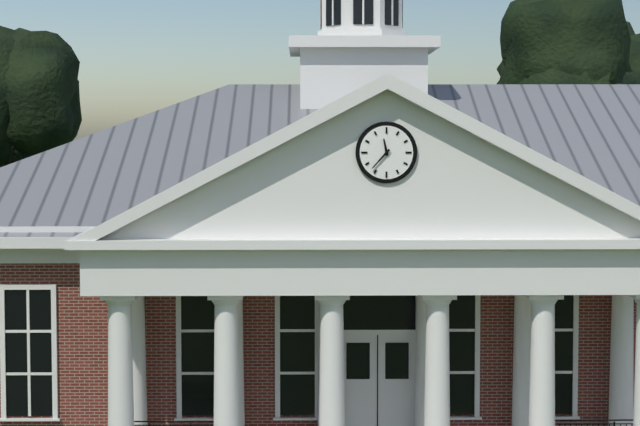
11:37
